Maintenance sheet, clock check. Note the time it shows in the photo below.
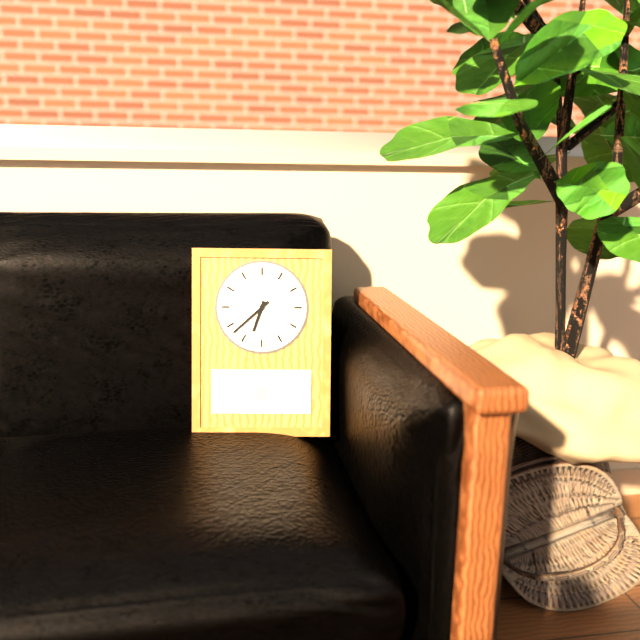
6:38
